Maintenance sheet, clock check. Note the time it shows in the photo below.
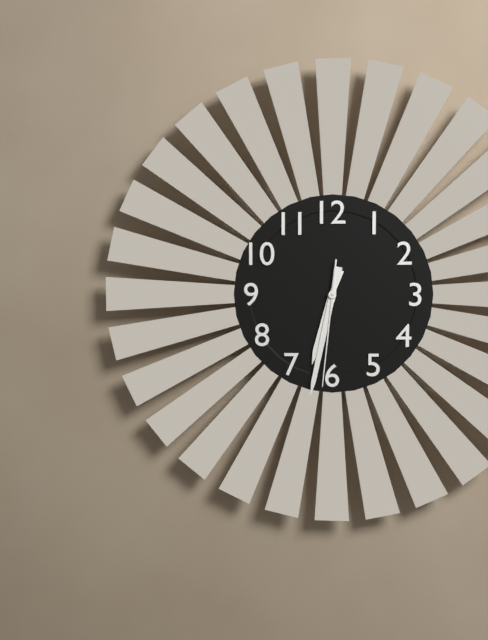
6:32:31
